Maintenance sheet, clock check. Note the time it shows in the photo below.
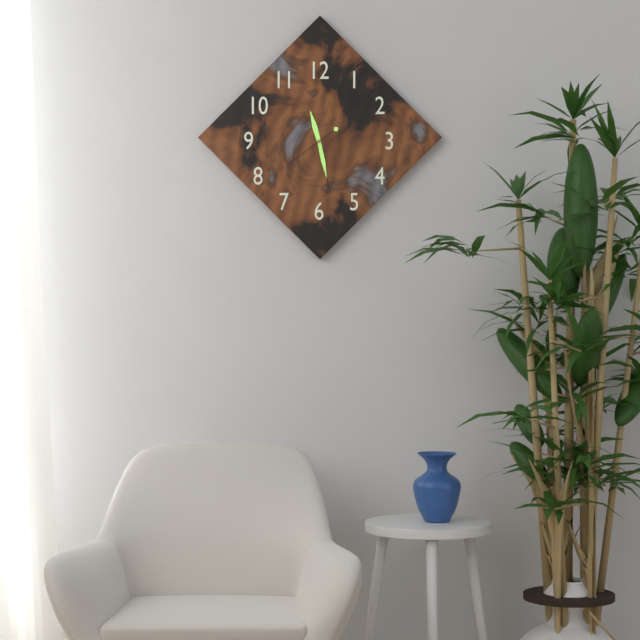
11:28:39
